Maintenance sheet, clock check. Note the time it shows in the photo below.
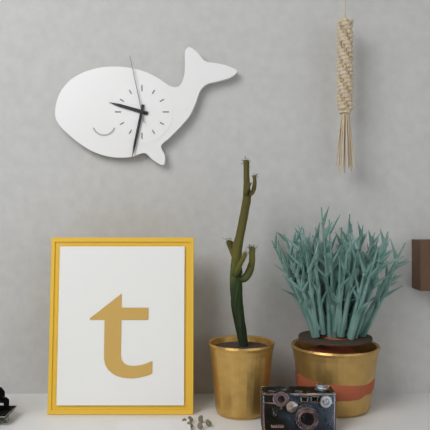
9:32:58
